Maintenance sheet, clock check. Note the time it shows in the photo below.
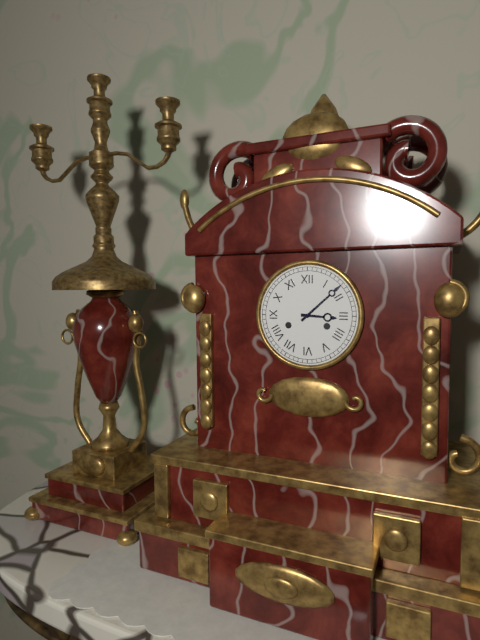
3:08
